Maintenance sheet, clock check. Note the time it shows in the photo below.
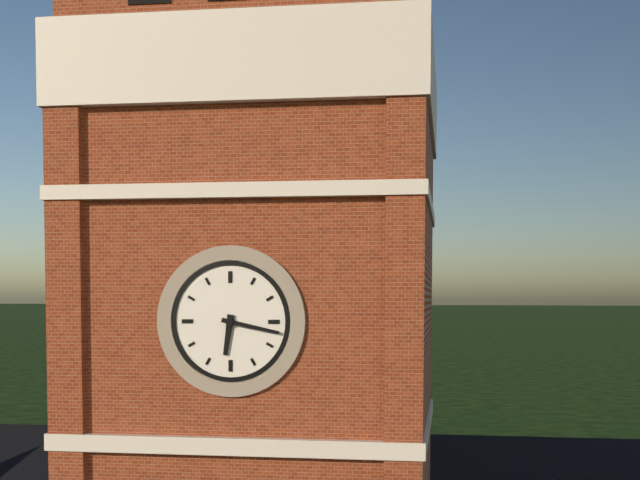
6:17
